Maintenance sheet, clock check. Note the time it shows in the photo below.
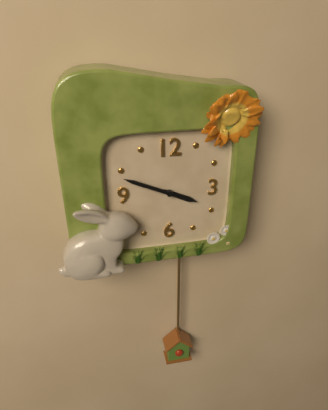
3:49
